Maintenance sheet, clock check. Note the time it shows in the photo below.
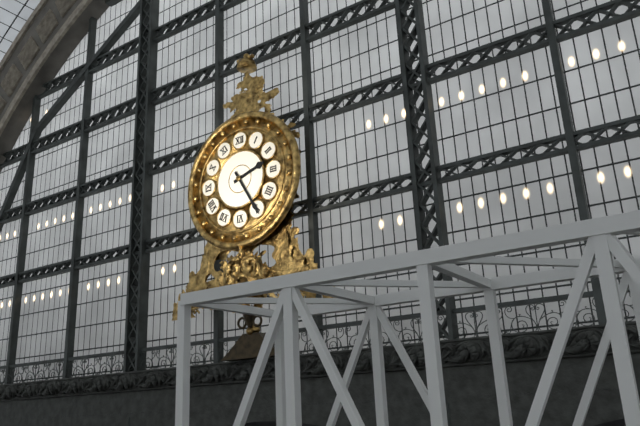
2:25
